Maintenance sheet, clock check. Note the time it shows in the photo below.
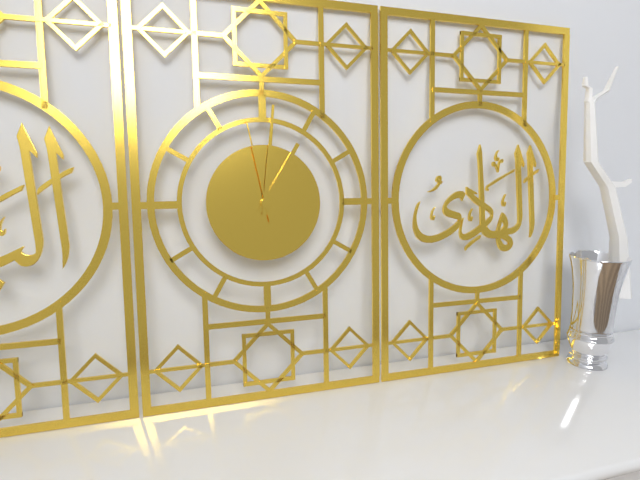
1:01:58
